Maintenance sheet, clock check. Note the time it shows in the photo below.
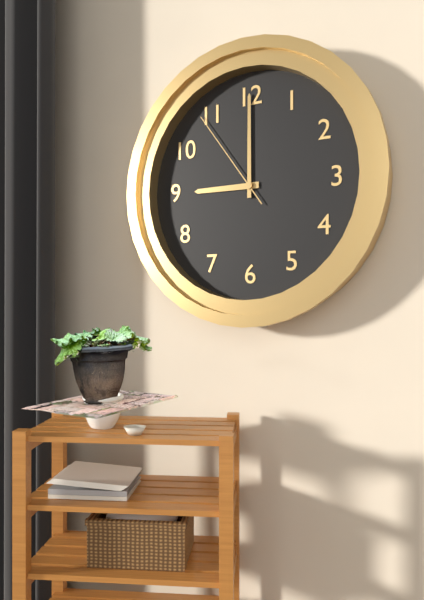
9:00:54
